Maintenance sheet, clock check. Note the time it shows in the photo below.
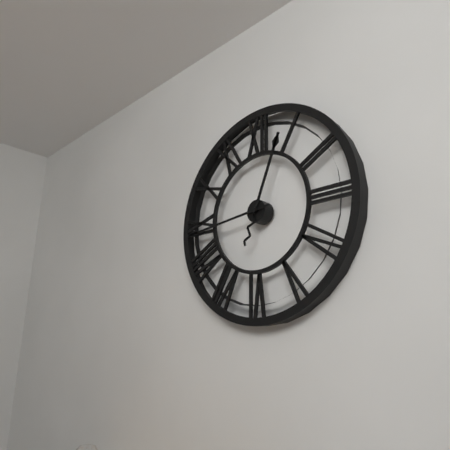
12:44
